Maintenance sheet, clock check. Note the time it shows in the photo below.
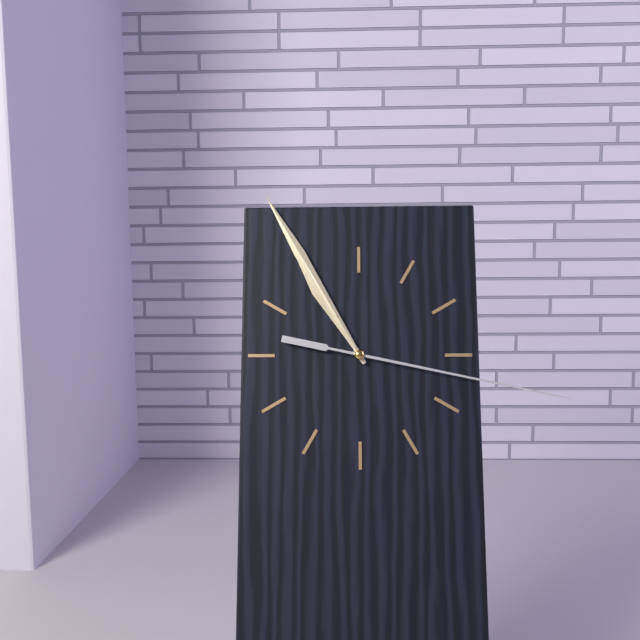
10:55:17
